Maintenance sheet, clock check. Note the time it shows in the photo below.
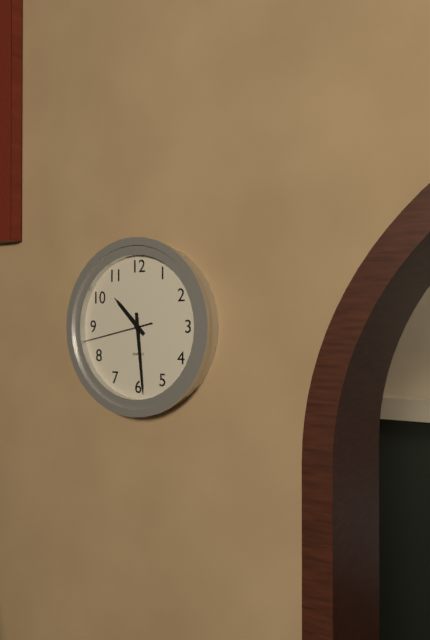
10:29:43
